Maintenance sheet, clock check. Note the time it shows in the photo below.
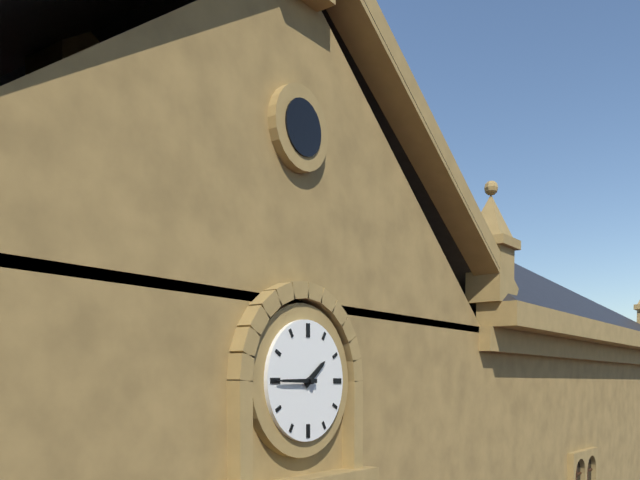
1:45
